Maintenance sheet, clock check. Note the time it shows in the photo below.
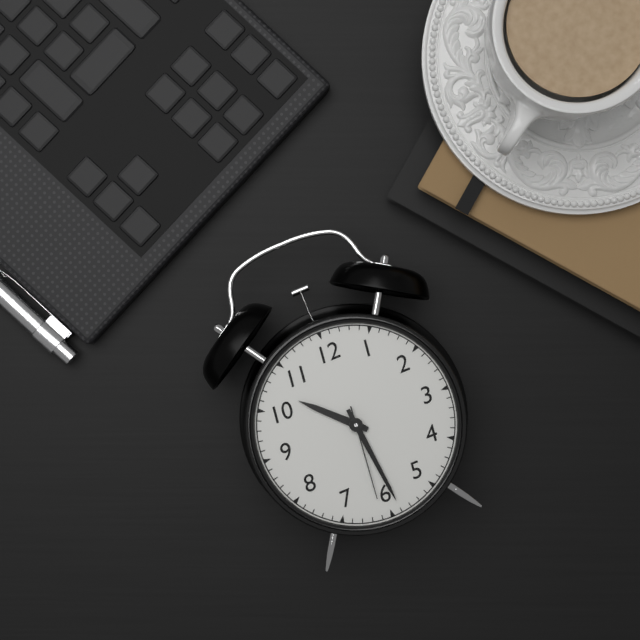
10:29:31
